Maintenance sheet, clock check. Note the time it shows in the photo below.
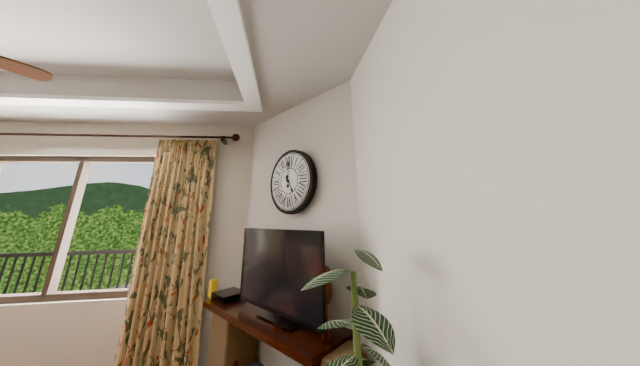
5:00
